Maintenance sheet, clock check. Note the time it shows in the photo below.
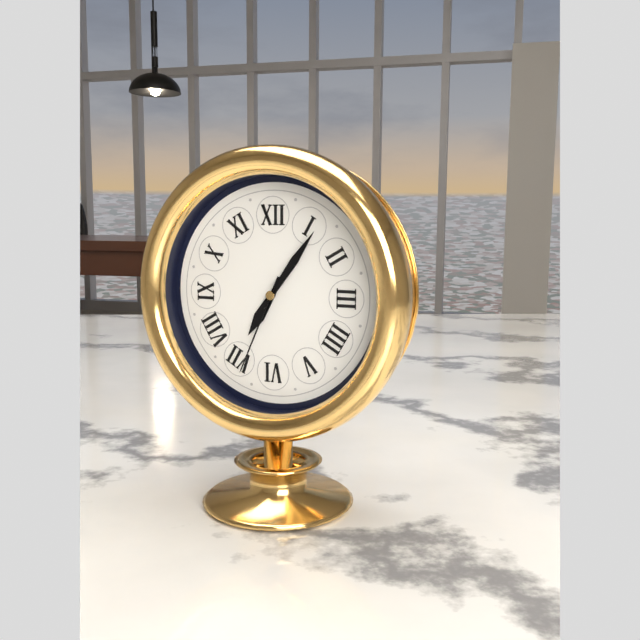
7:06:34
